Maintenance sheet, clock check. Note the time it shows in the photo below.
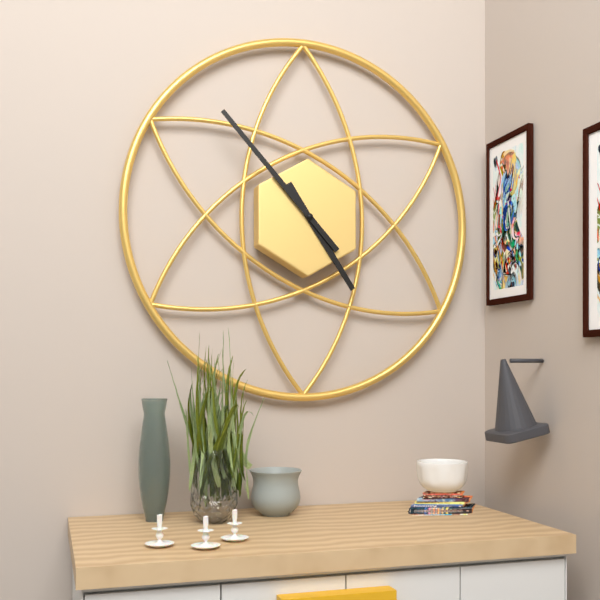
4:53
